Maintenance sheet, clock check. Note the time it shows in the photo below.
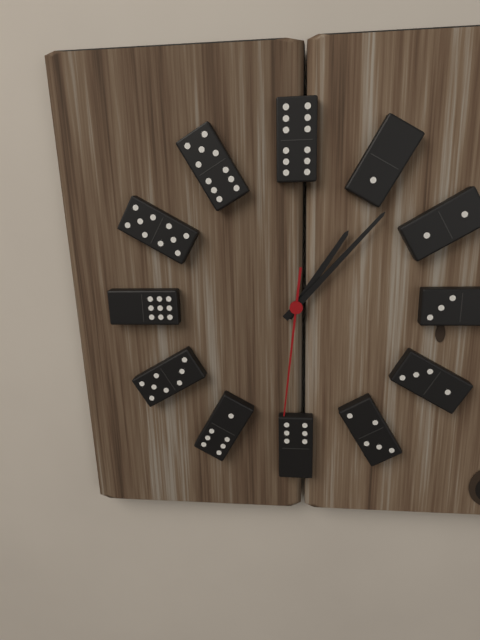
1:07:31
